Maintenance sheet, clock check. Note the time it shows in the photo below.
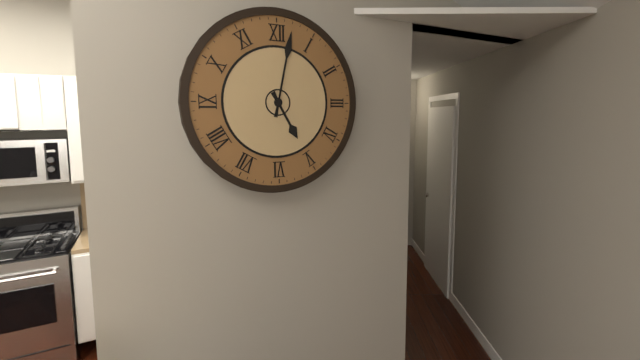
5:02
